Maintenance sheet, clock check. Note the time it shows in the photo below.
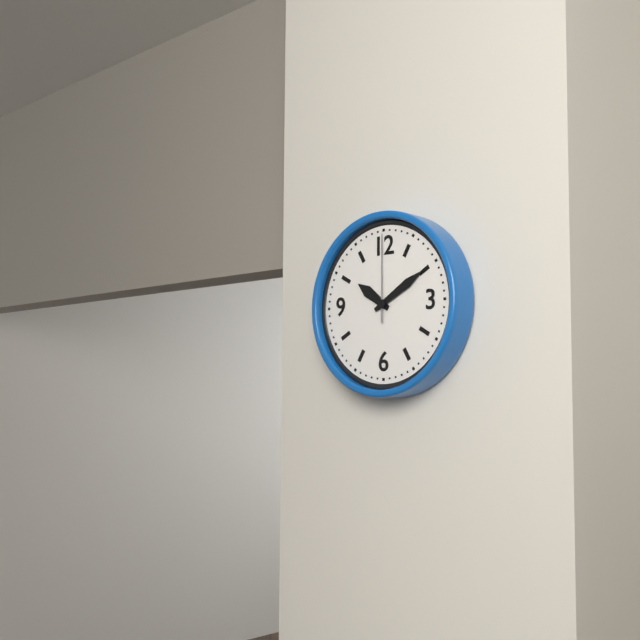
10:10:00
